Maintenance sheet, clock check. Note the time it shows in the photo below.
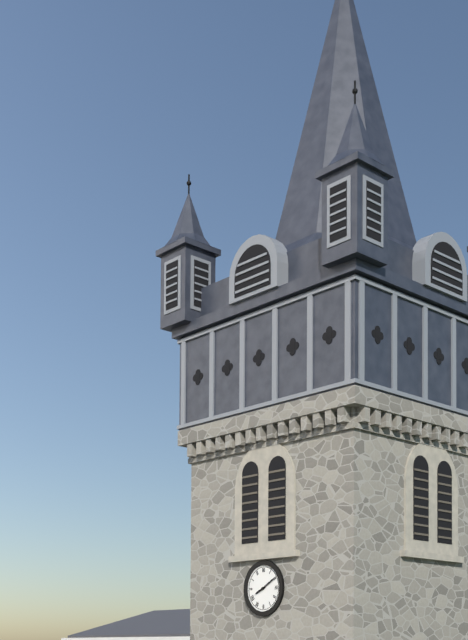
8:10
